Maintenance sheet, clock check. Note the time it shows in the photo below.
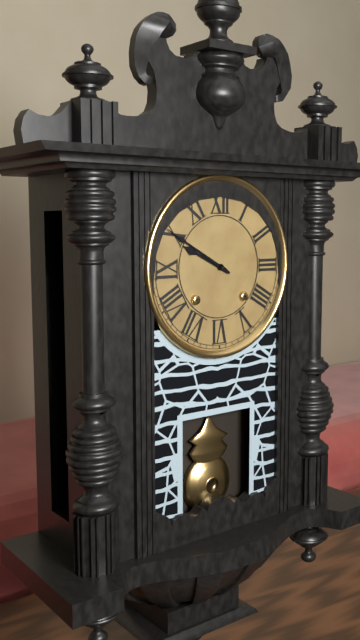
9:50
